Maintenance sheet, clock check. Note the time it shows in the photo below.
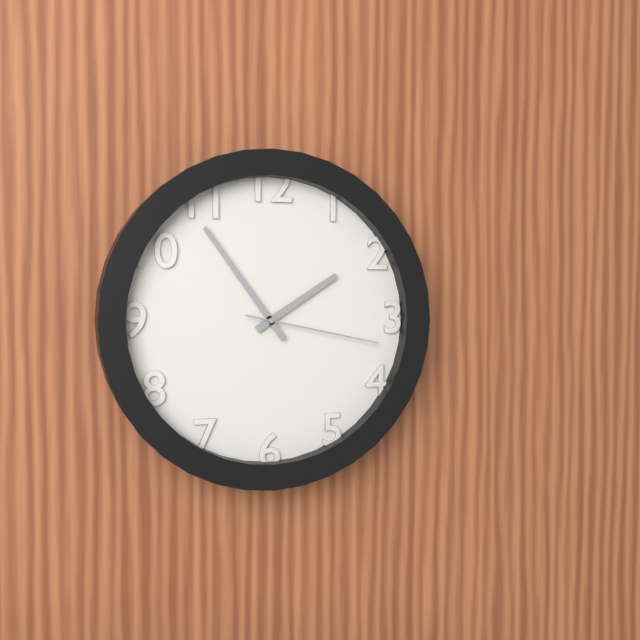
1:54:17
